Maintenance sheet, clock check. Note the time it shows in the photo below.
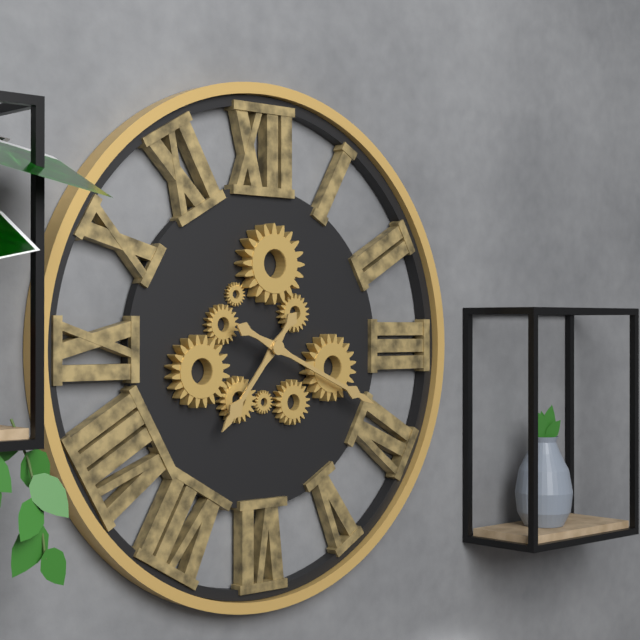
7:19
